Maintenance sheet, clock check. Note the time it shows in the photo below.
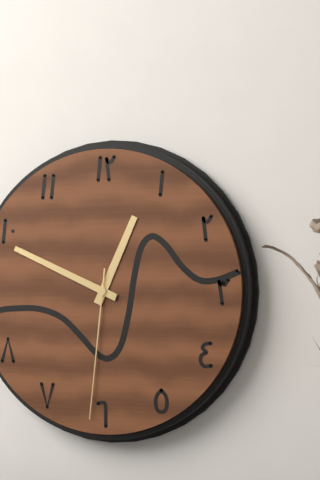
12:49:31
